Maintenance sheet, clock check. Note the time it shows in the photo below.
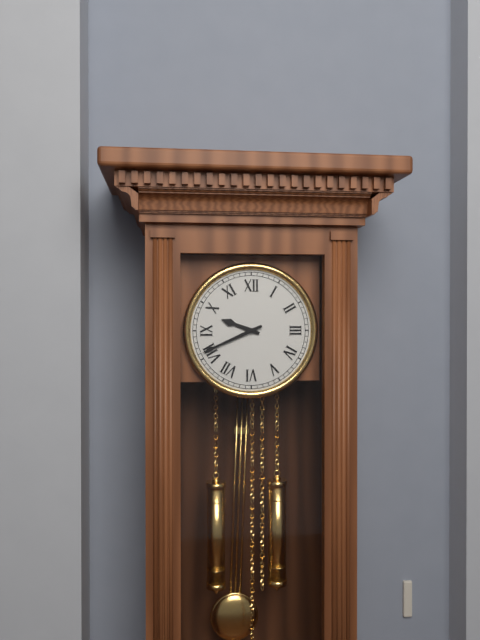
9:41
